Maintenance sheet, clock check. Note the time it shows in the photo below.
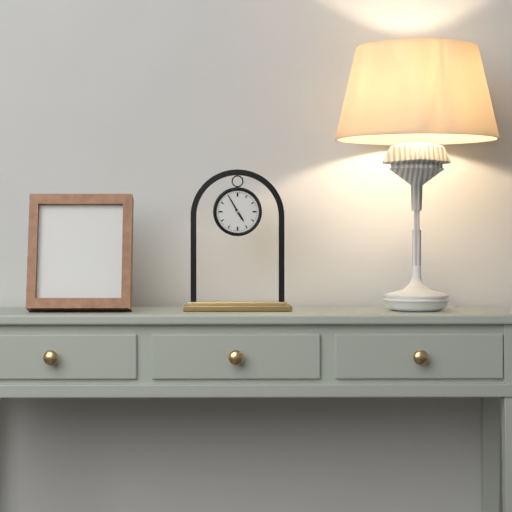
4:55
